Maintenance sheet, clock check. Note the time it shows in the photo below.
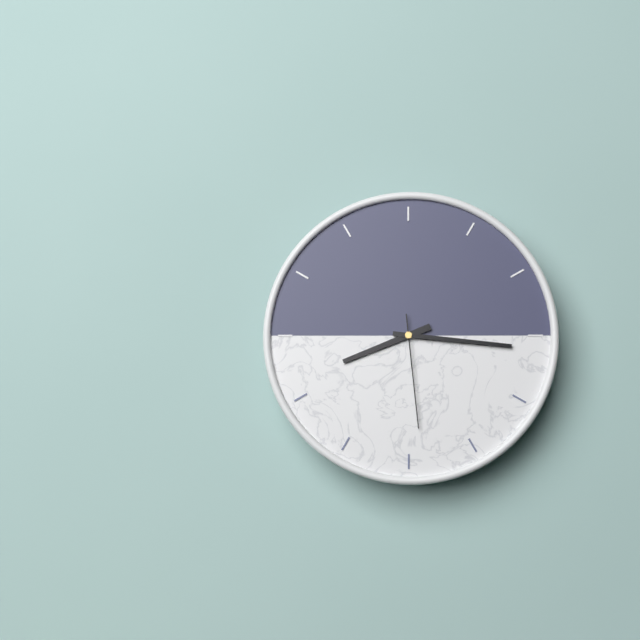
8:16:29
